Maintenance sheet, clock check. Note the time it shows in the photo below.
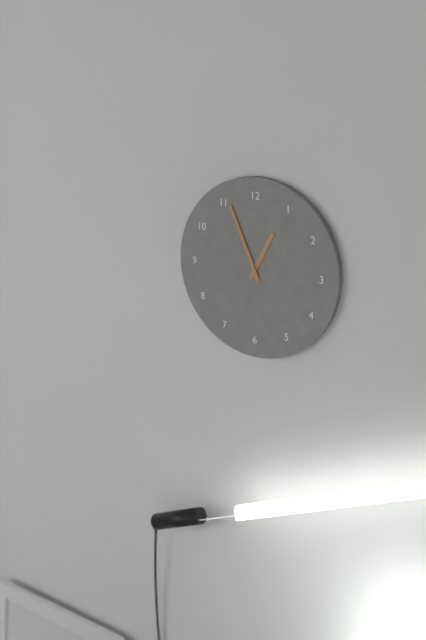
12:56
